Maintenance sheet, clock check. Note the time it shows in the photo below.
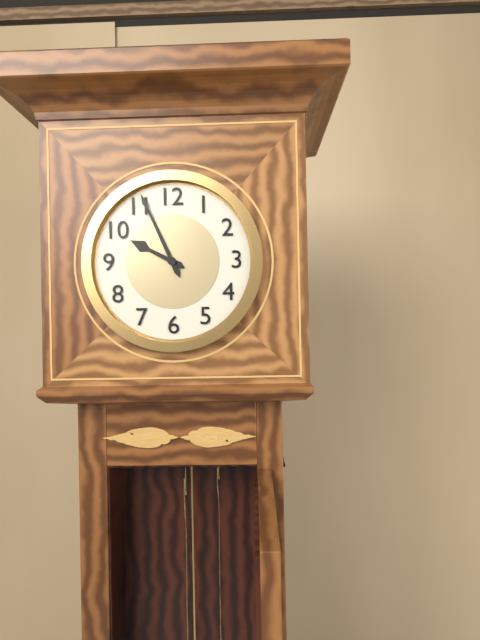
9:56
